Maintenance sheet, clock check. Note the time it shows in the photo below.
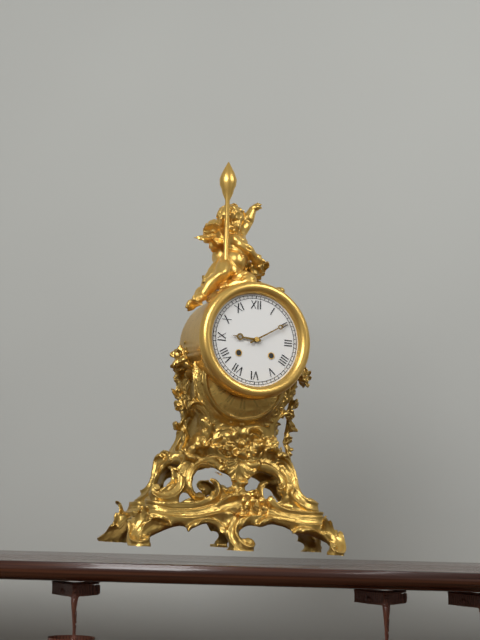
9:10
